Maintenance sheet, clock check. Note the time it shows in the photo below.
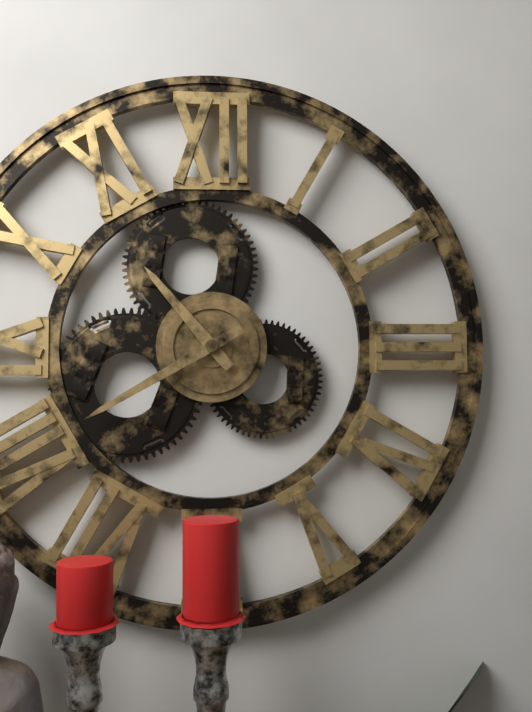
10:40
